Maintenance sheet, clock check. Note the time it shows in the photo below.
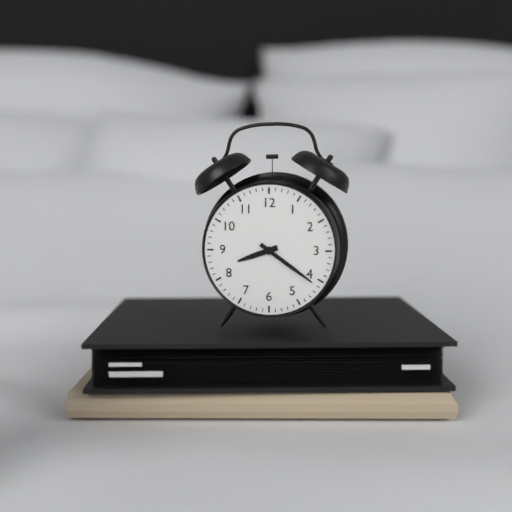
8:21
